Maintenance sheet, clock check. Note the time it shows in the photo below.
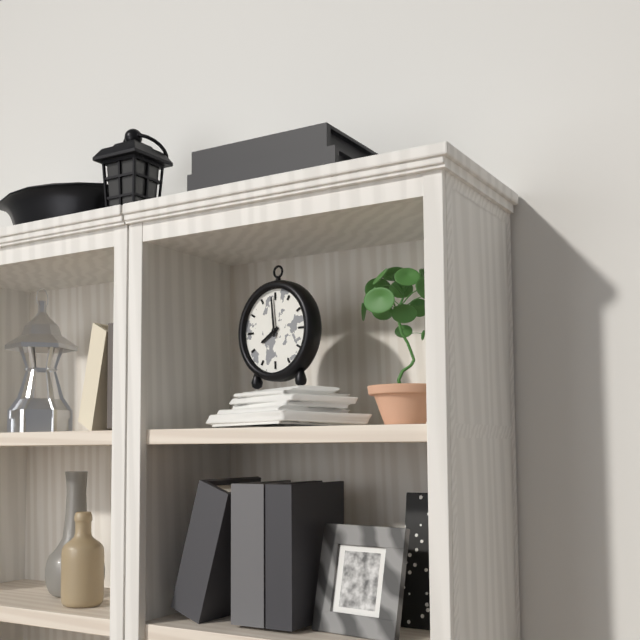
7:59
